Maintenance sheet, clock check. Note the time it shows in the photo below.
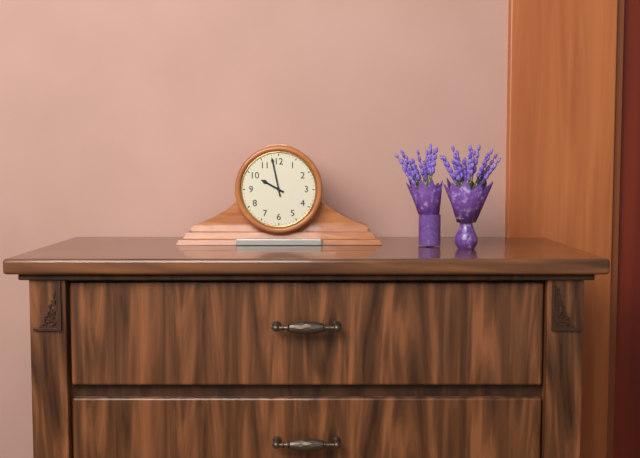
9:58
